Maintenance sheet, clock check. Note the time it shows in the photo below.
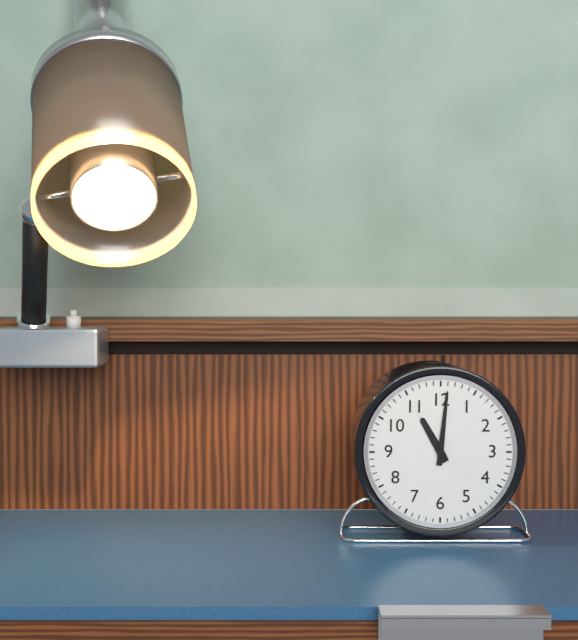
11:01
